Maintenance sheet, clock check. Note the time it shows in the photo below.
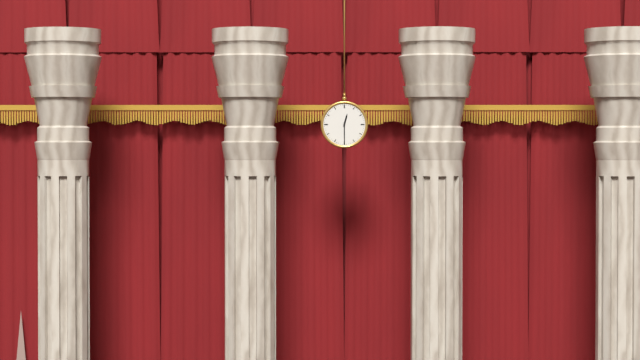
12:30
